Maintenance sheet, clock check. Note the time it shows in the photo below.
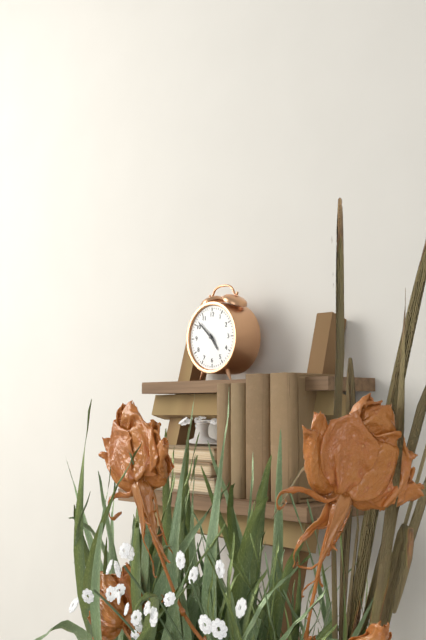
4:52
